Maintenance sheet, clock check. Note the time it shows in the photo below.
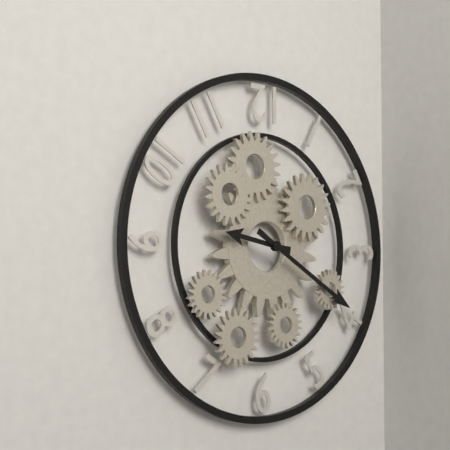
9:20
